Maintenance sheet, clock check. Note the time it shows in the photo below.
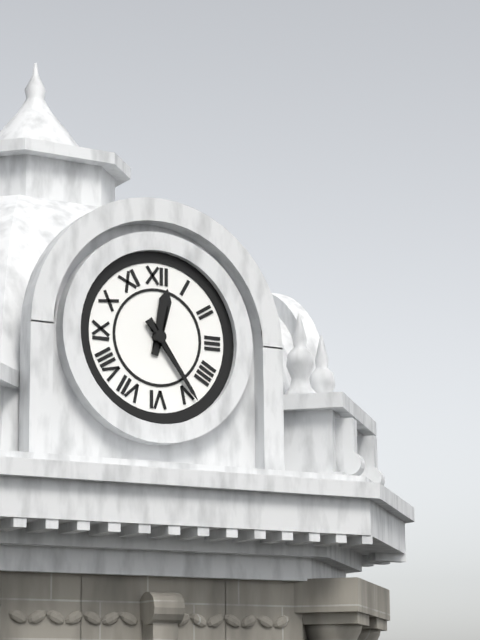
12:24
